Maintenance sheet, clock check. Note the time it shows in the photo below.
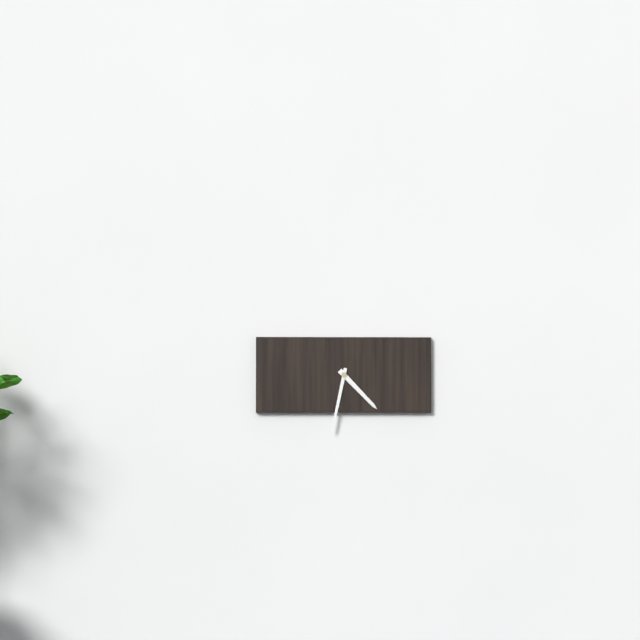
4:32
